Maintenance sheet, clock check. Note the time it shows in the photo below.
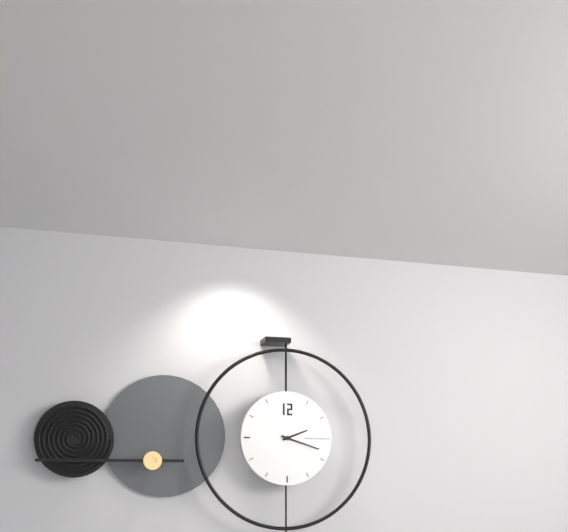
2:18
